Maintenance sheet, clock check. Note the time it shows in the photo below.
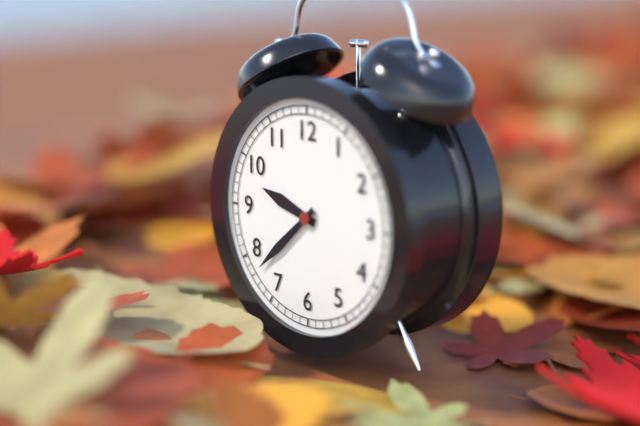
9:38
